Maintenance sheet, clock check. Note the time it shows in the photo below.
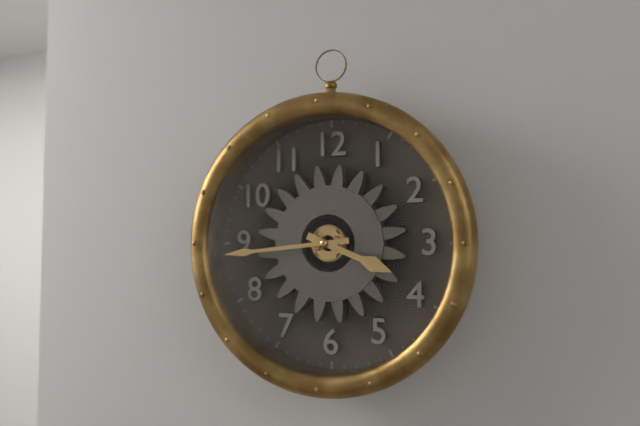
3:44
